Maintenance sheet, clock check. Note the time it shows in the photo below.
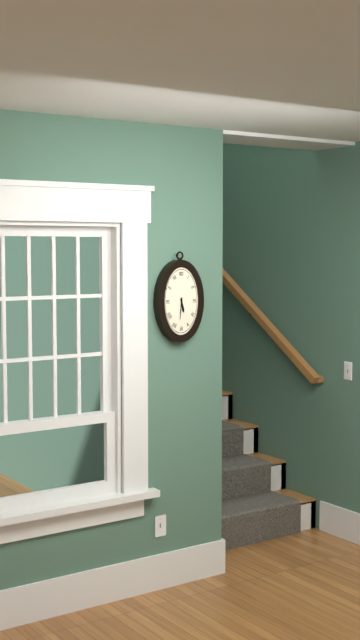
5:31
